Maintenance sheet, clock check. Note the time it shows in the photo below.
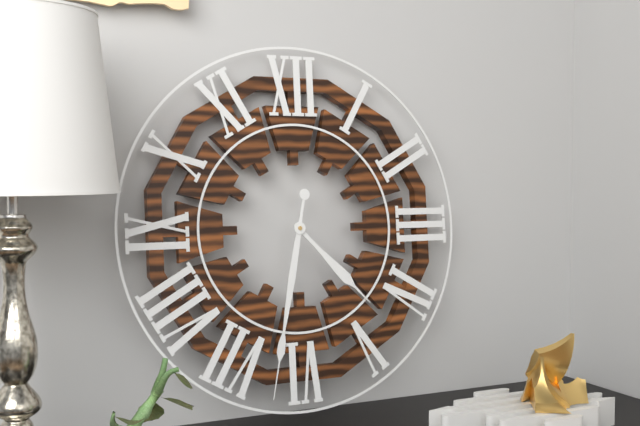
4:32
